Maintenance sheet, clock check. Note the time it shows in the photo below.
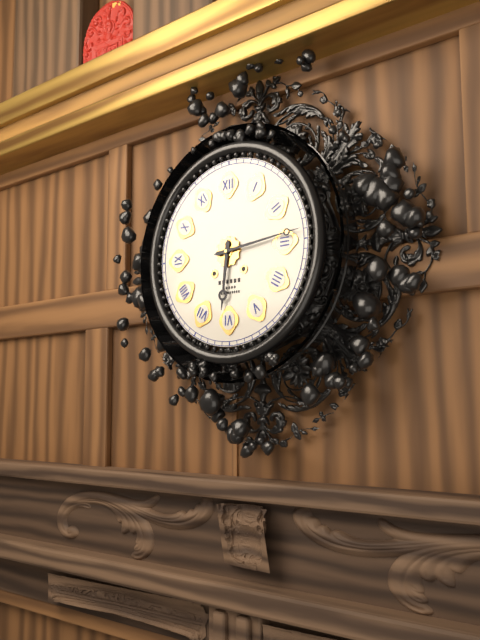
6:14
